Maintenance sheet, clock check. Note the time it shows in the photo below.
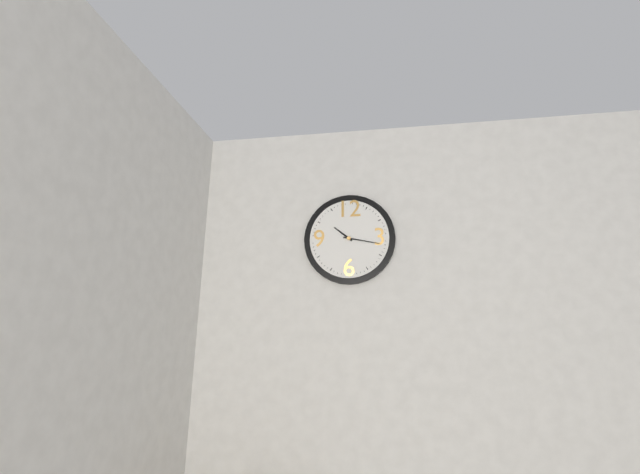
10:17
